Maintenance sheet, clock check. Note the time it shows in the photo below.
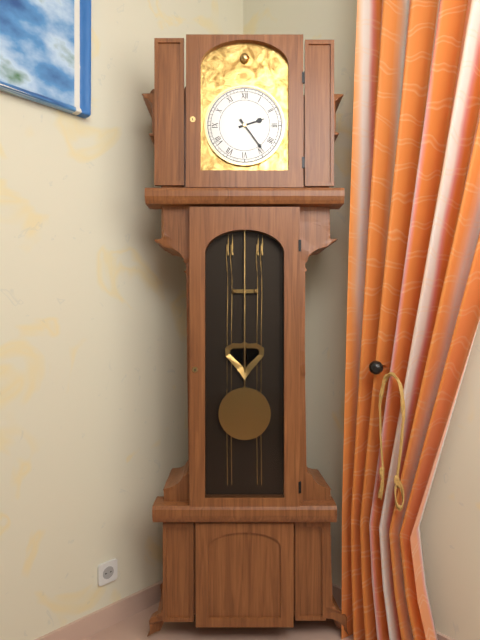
2:24
